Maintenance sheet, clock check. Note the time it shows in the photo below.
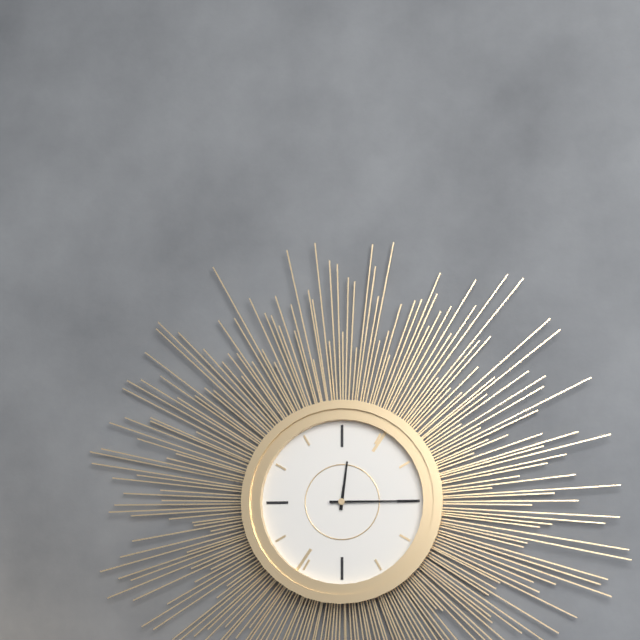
12:15
